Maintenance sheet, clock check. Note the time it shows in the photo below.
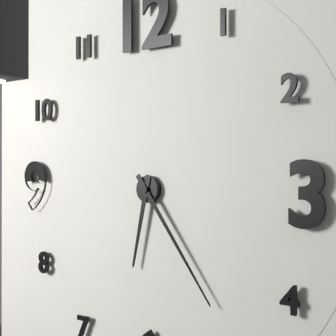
6:24
